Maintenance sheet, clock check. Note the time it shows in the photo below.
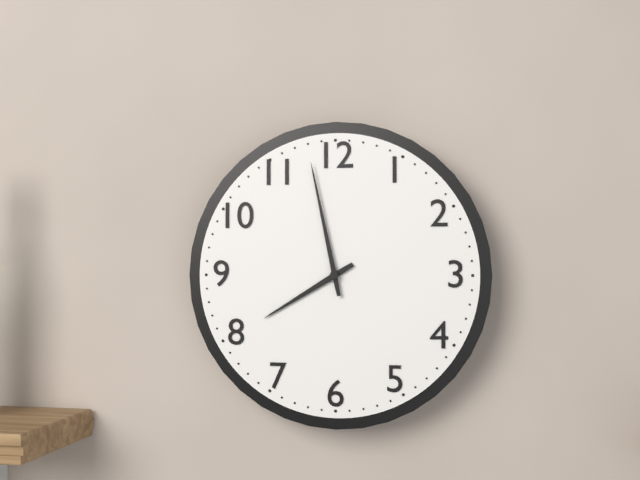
7:58
